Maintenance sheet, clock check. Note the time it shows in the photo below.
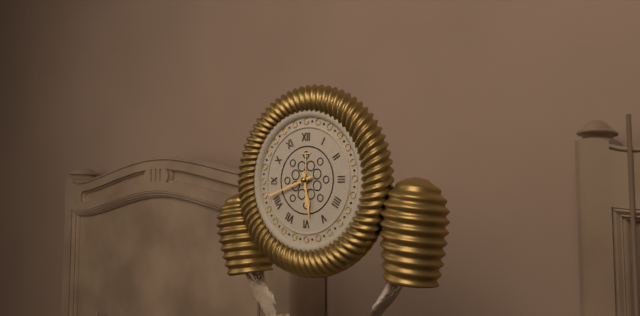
5:42
